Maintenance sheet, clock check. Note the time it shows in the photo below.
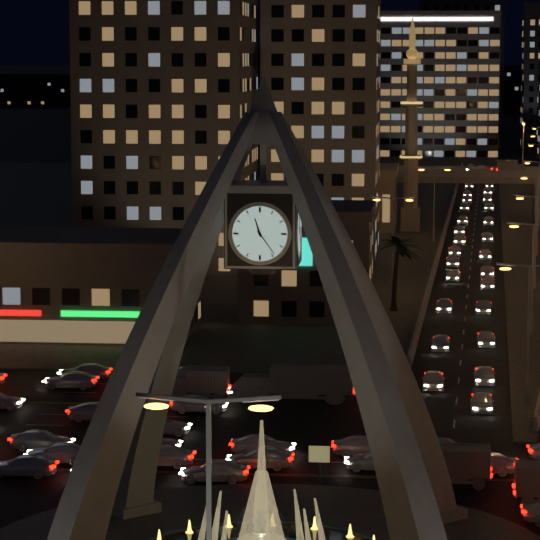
11:24
